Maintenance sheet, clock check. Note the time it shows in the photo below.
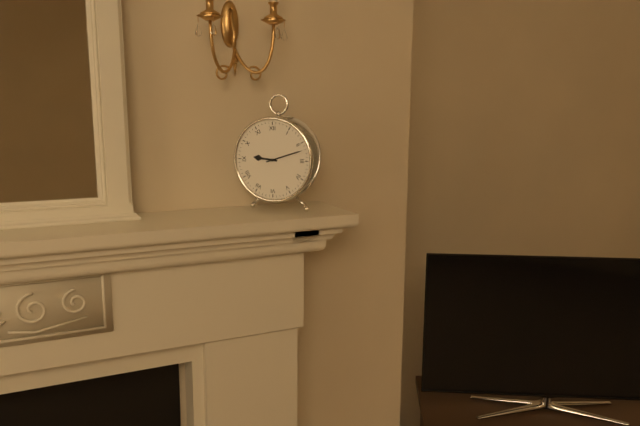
9:12
